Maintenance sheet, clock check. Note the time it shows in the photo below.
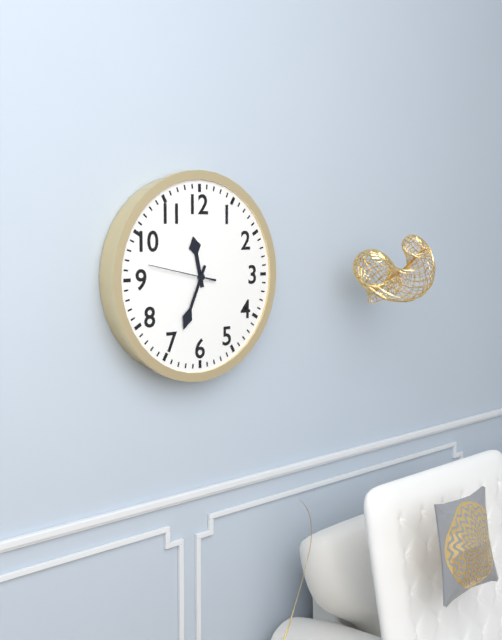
11:34:47
